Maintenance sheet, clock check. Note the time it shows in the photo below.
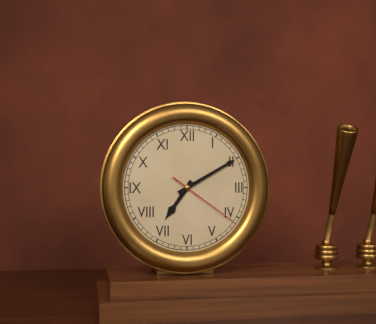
7:10:21
